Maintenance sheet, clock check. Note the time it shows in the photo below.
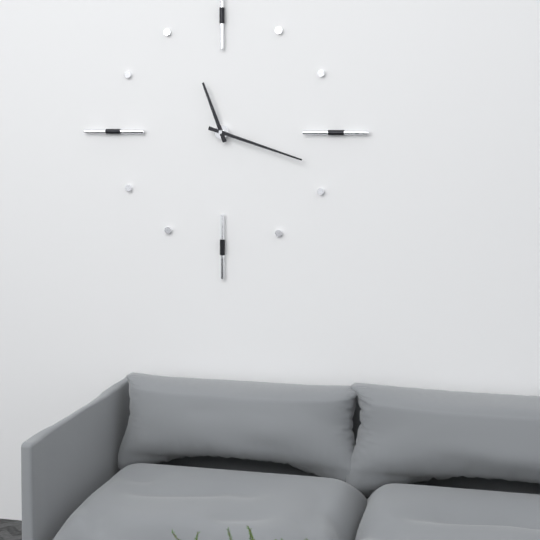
11:18
